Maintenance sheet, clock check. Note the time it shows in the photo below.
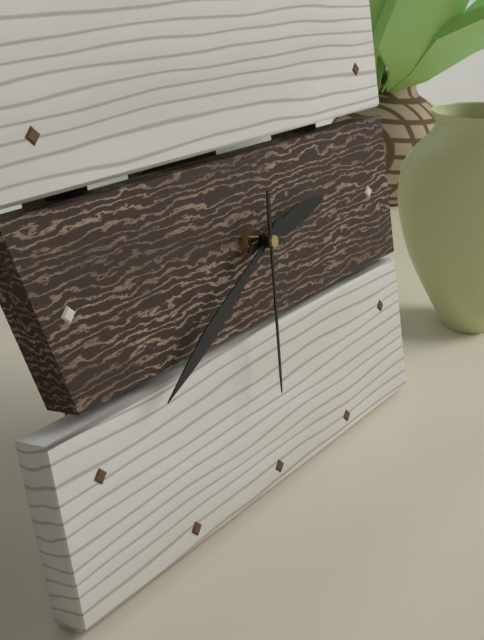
2:40:31
